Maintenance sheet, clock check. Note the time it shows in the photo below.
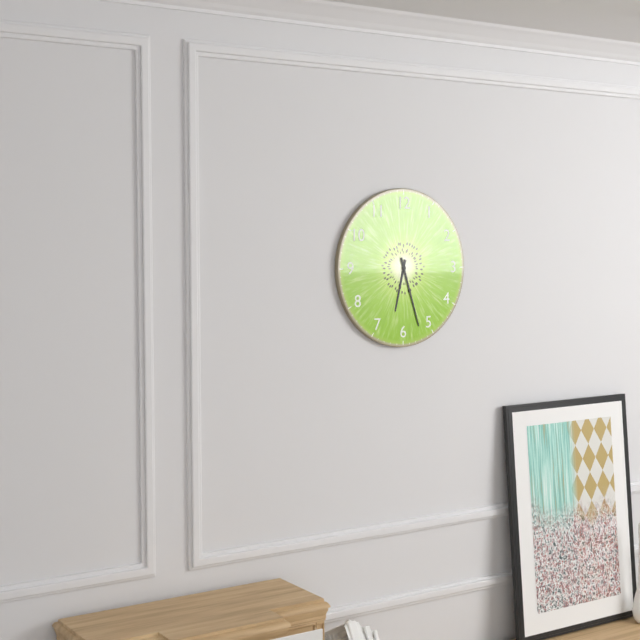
6:27
